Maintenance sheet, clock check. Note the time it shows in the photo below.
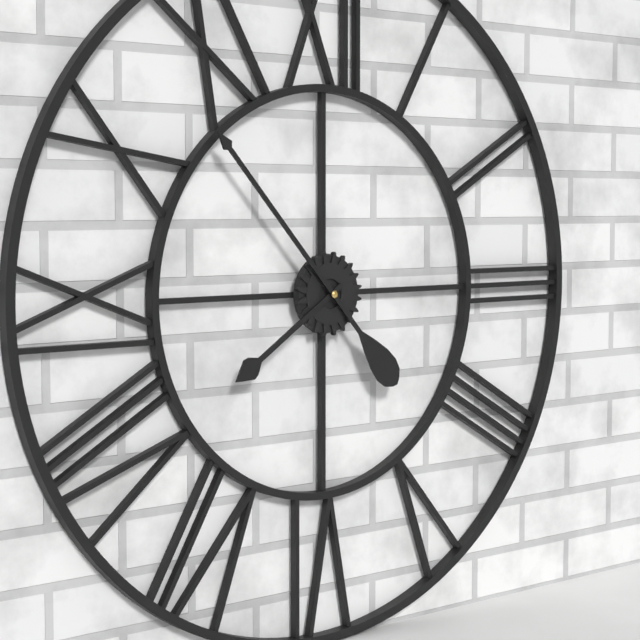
7:53
